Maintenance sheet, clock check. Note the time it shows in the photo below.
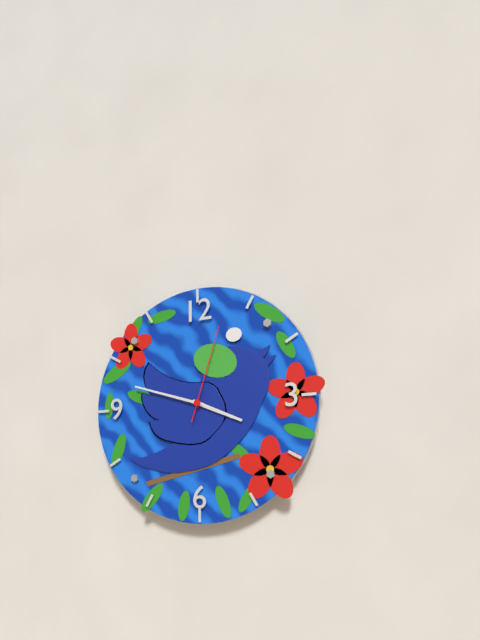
3:48:03
